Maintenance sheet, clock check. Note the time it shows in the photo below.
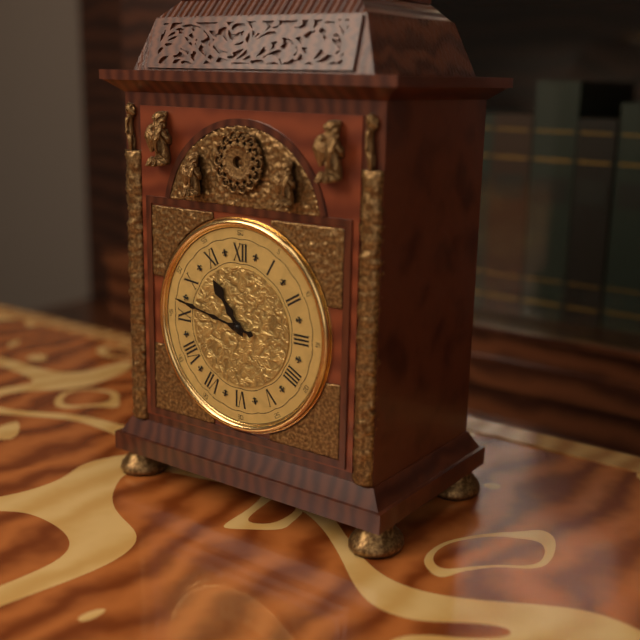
10:47
